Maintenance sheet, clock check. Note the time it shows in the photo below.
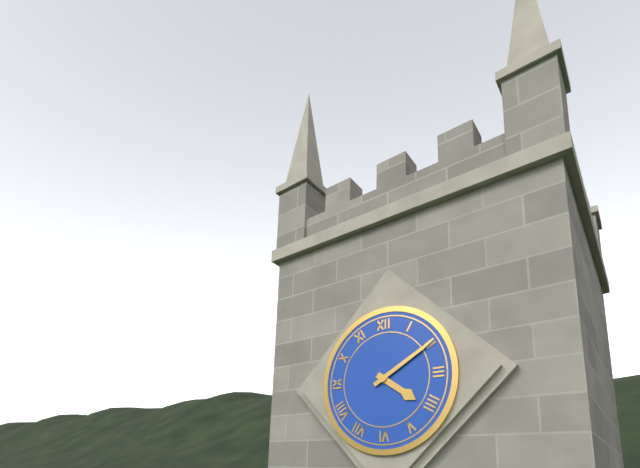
4:10
